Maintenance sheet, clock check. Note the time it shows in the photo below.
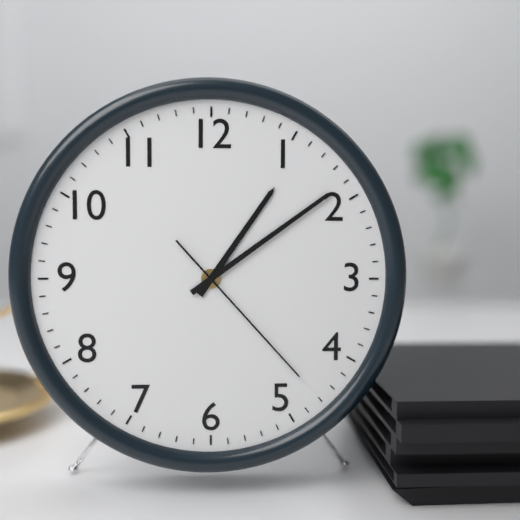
1:09:23
